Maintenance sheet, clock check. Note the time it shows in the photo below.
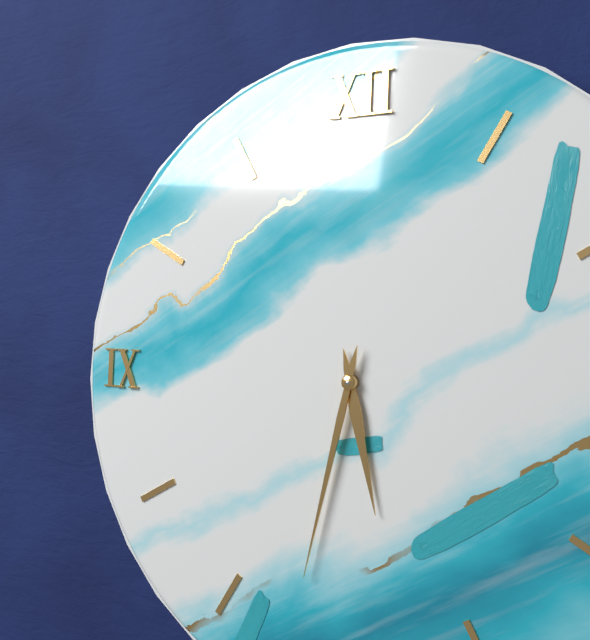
5:32
